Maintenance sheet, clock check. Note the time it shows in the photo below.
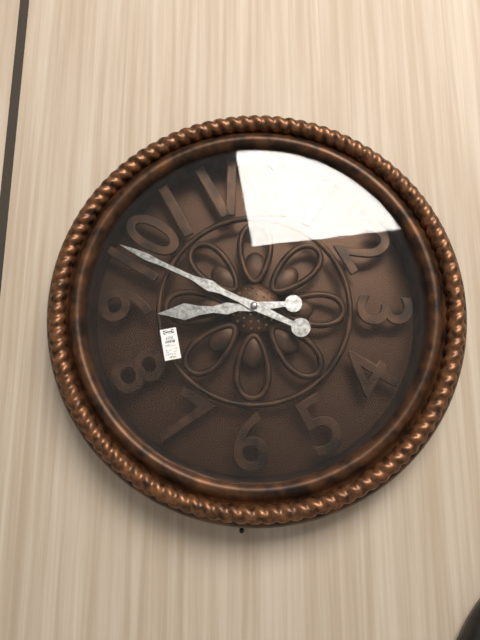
8:49
